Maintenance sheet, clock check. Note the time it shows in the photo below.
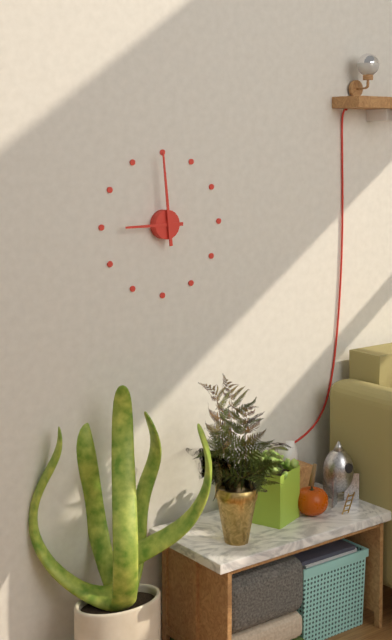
8:59
